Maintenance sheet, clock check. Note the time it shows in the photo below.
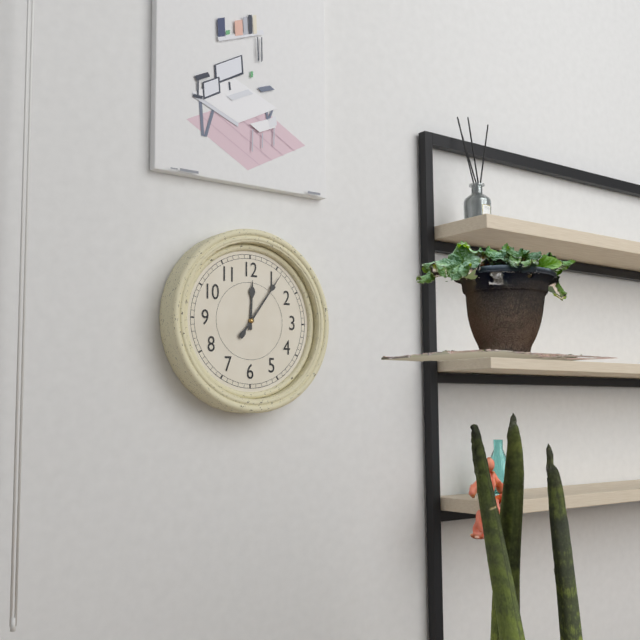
12:06
